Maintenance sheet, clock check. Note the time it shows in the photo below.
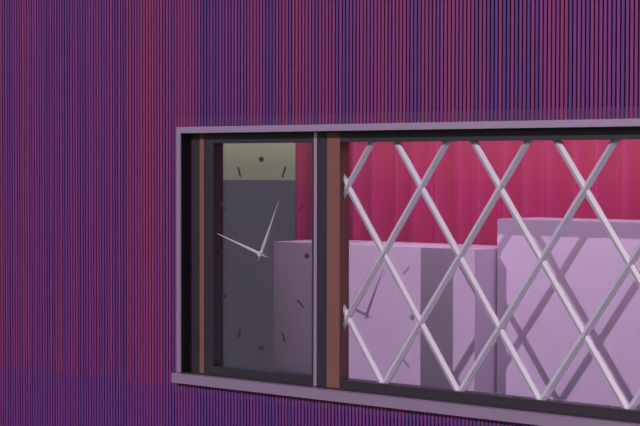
12:48
